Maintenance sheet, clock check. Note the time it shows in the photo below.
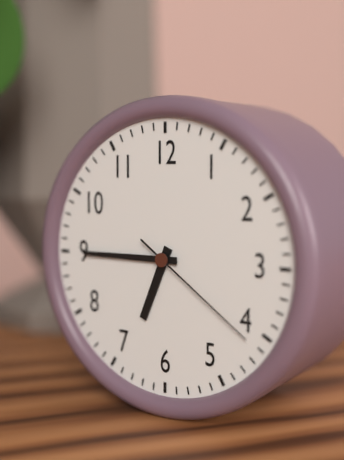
6:45:21
